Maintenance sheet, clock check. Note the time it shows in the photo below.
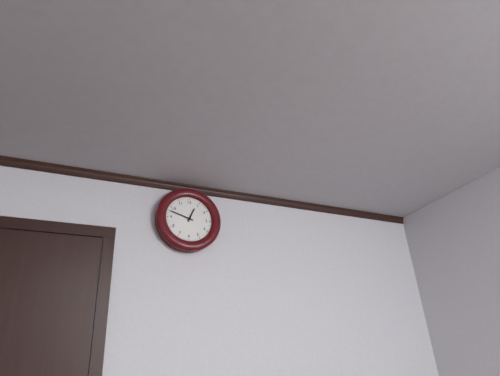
12:48
